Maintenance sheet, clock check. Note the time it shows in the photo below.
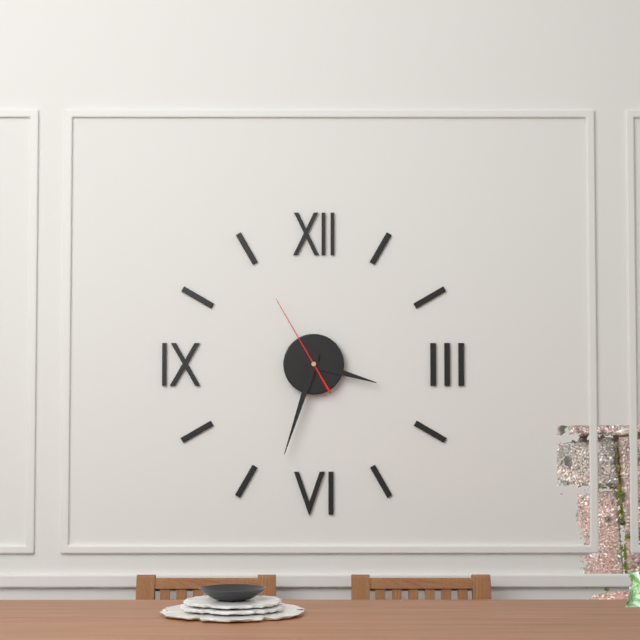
3:33:55
